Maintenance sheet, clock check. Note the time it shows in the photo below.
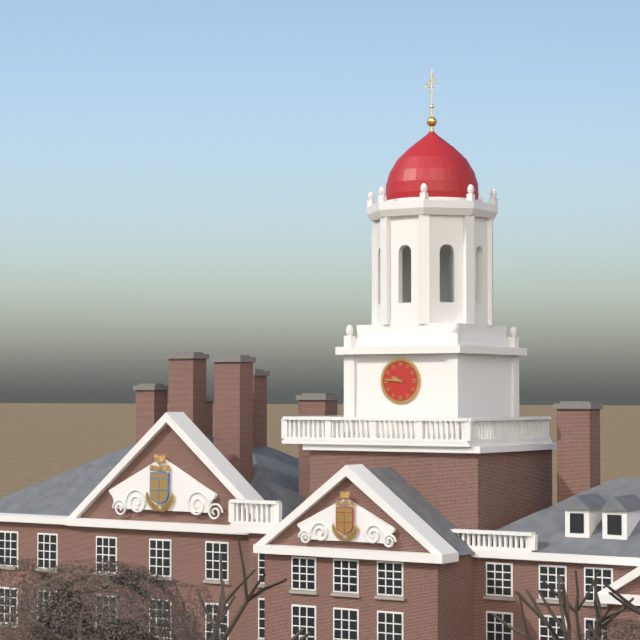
9:46
